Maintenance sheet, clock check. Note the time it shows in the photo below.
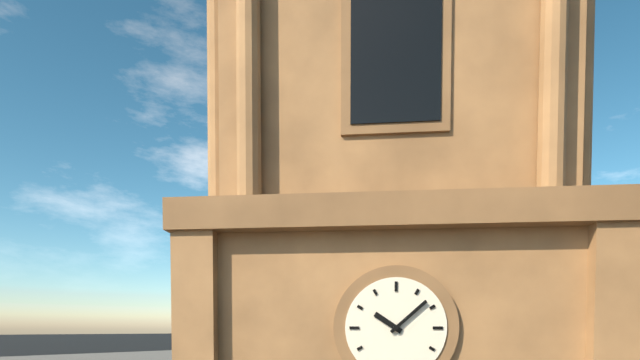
10:08
